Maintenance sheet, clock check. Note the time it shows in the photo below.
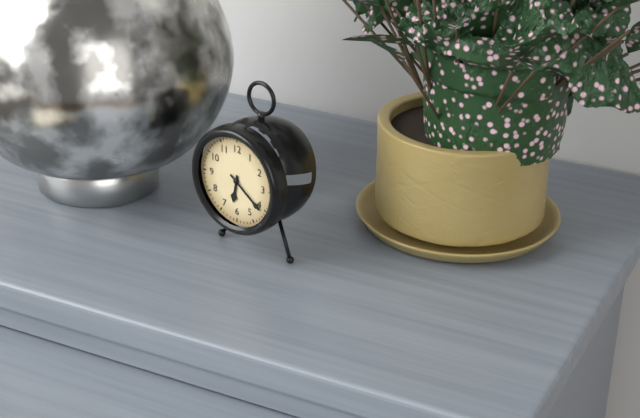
6:21
